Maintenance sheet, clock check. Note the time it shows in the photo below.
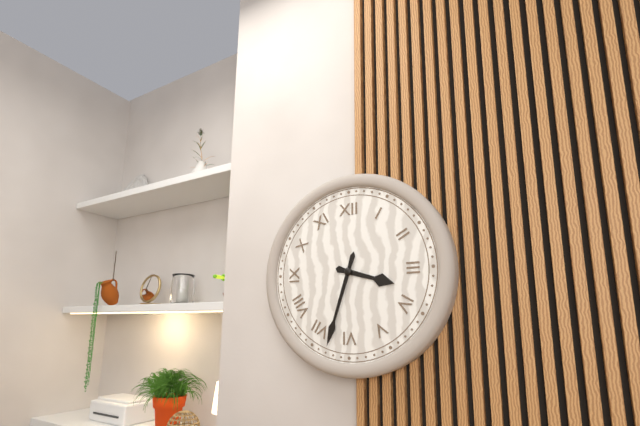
3:33
